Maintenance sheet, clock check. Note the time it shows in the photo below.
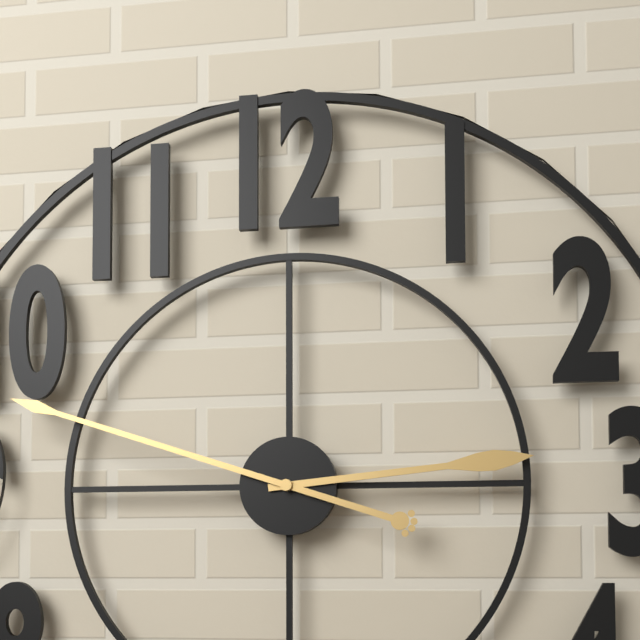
2:48
